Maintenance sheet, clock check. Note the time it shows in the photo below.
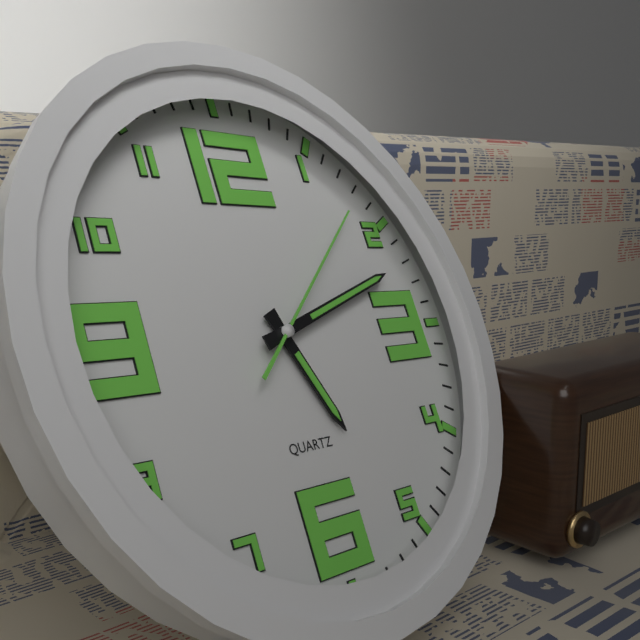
5:12:08
